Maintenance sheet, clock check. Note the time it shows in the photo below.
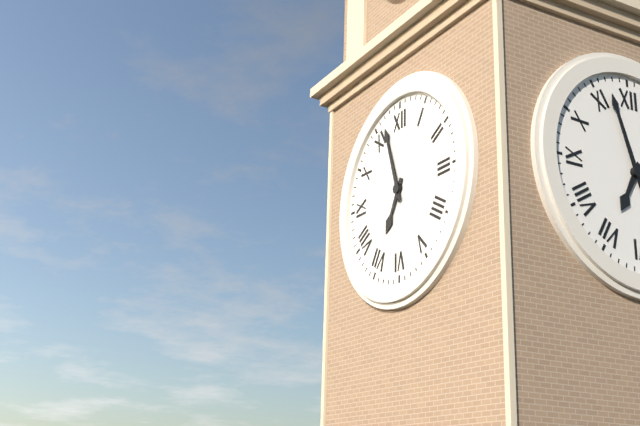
6:57
